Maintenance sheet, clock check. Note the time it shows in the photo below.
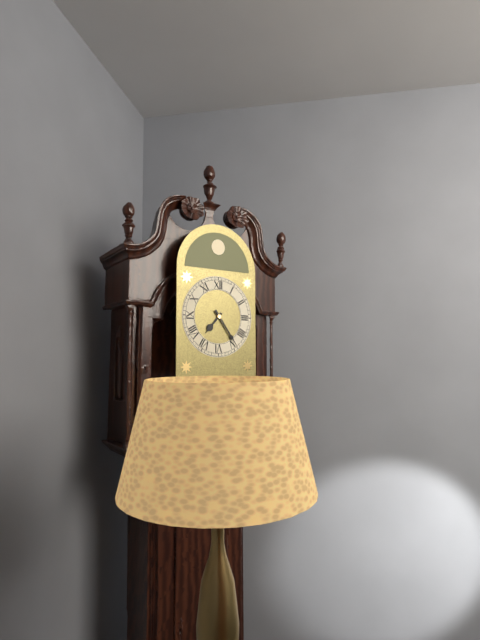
7:24
